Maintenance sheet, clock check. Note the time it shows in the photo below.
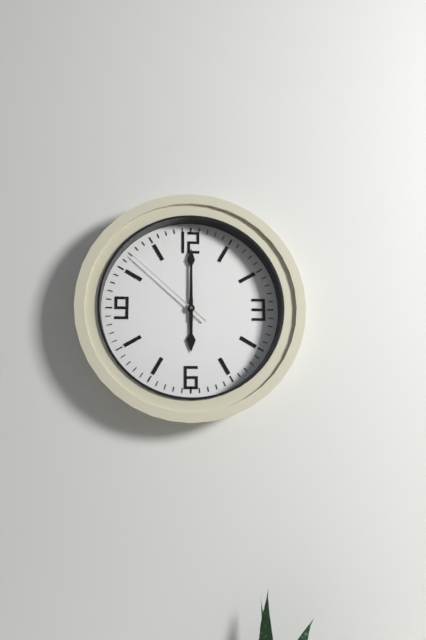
6:00:52
